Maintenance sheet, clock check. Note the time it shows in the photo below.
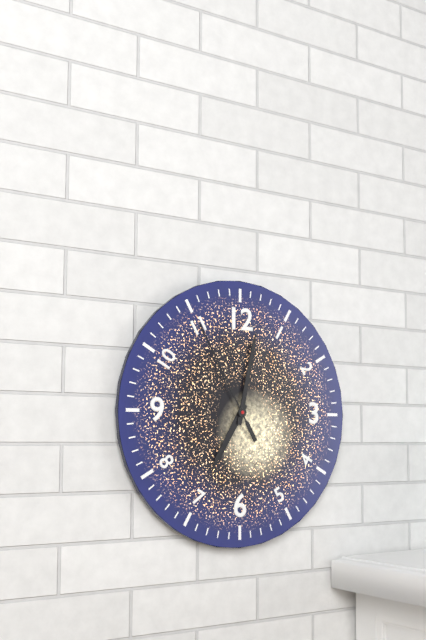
7:02:55
